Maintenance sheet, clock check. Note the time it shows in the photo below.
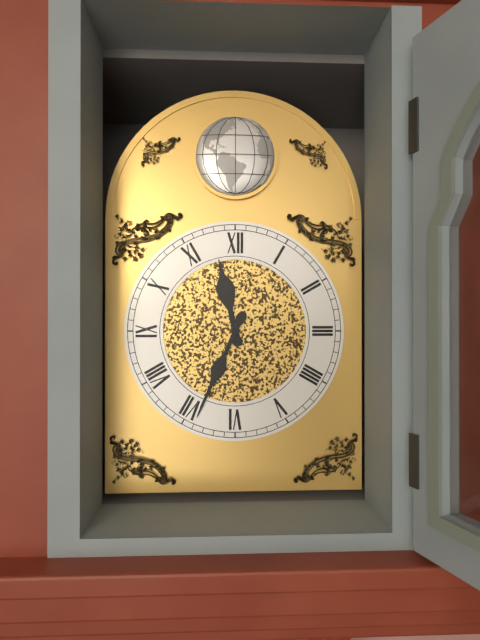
11:34
